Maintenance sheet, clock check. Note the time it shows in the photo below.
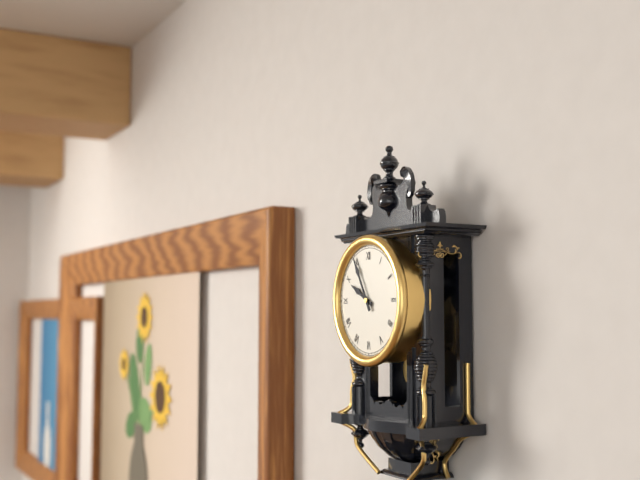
9:55
